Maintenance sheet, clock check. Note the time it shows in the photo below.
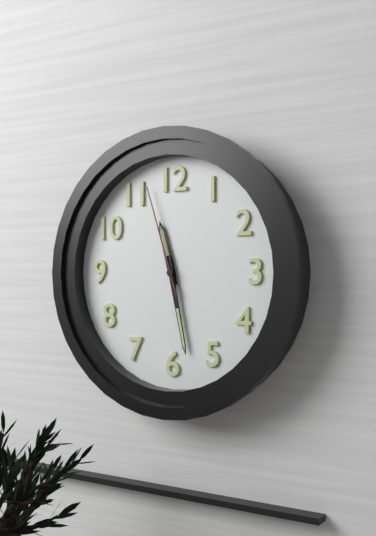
11:28:57
